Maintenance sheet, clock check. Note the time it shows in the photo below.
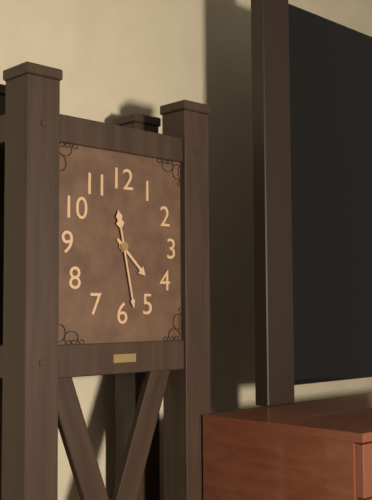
4:28
